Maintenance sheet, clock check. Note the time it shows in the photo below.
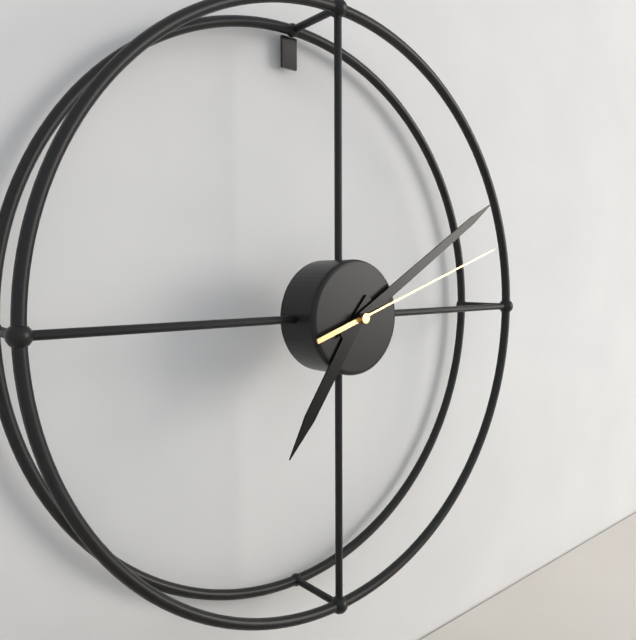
7:10:12
